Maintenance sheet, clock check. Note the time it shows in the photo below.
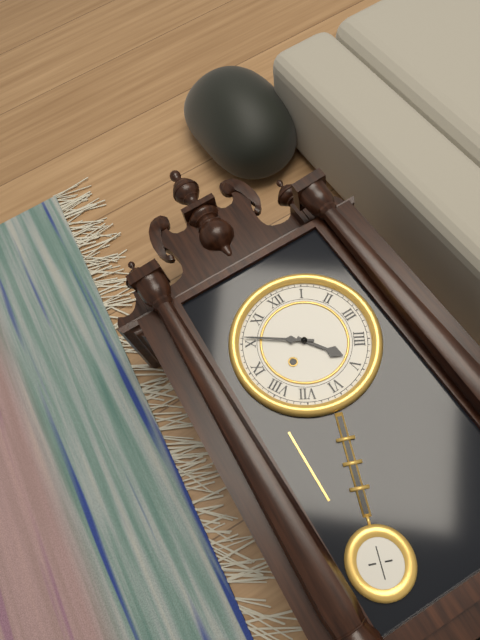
4:51
